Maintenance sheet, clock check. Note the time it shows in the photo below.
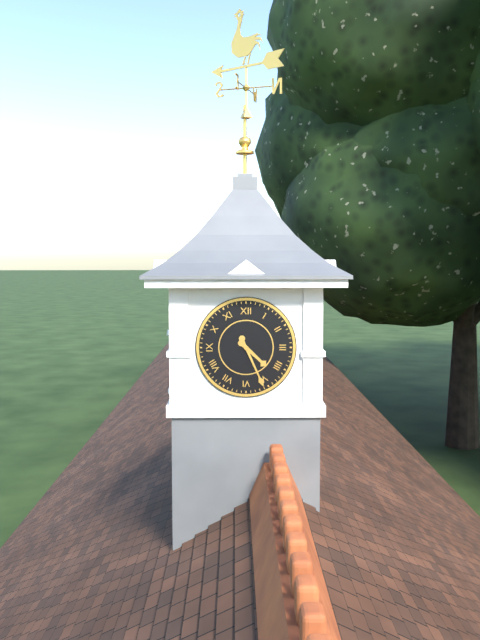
4:26
